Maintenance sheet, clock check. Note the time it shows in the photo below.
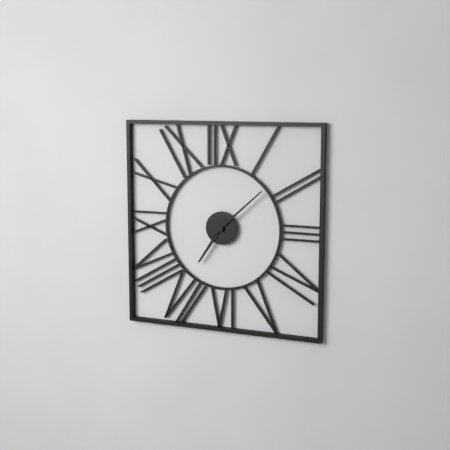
7:08
